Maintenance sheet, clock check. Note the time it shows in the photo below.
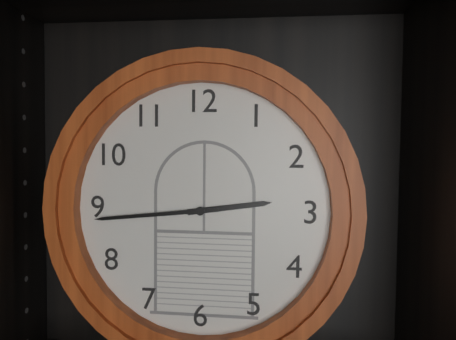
2:44
